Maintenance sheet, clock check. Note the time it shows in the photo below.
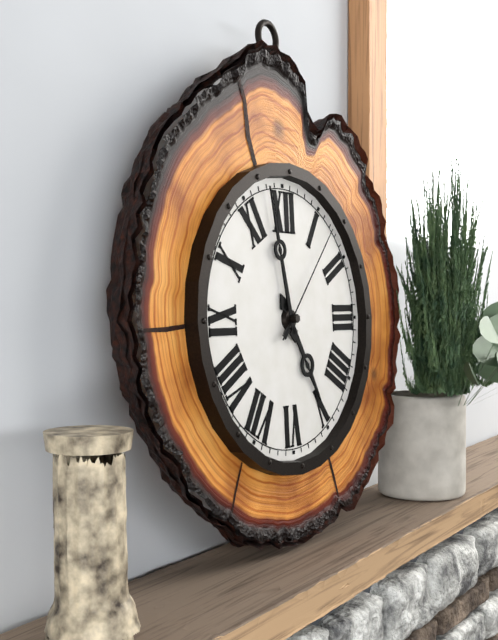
4:58:07
